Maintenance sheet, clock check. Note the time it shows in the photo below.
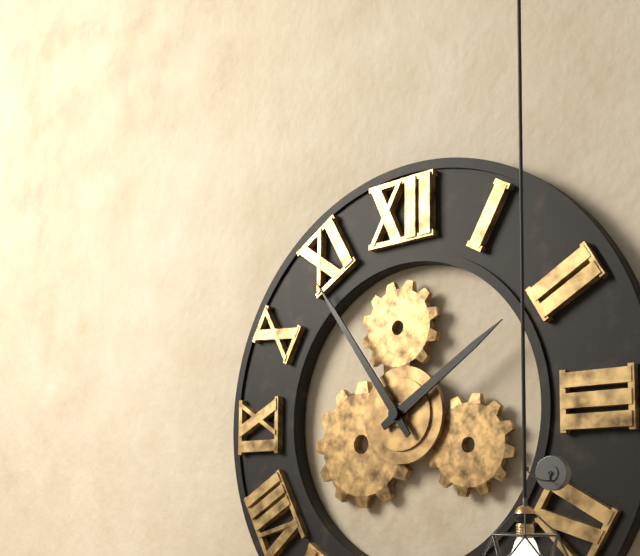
1:54
